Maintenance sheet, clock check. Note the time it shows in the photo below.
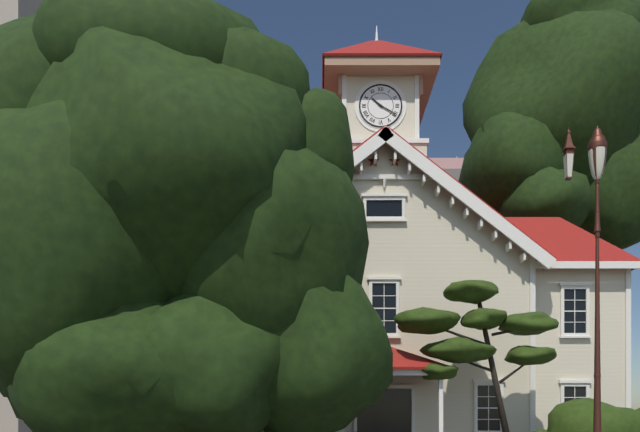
10:20
